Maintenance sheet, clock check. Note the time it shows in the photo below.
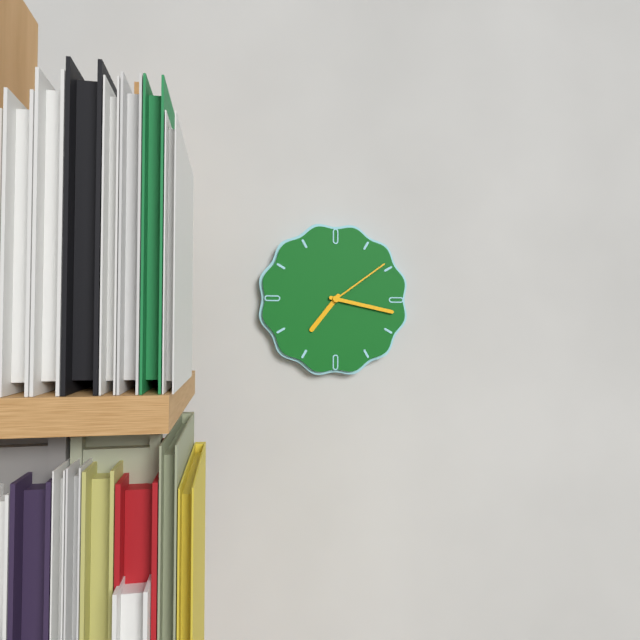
7:17:09
